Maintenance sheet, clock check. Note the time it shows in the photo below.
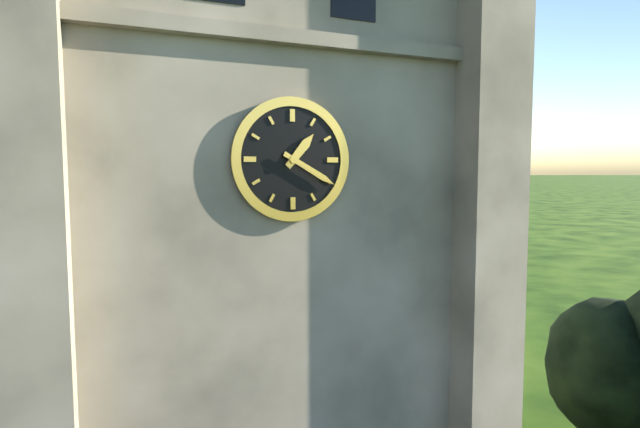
1:20
